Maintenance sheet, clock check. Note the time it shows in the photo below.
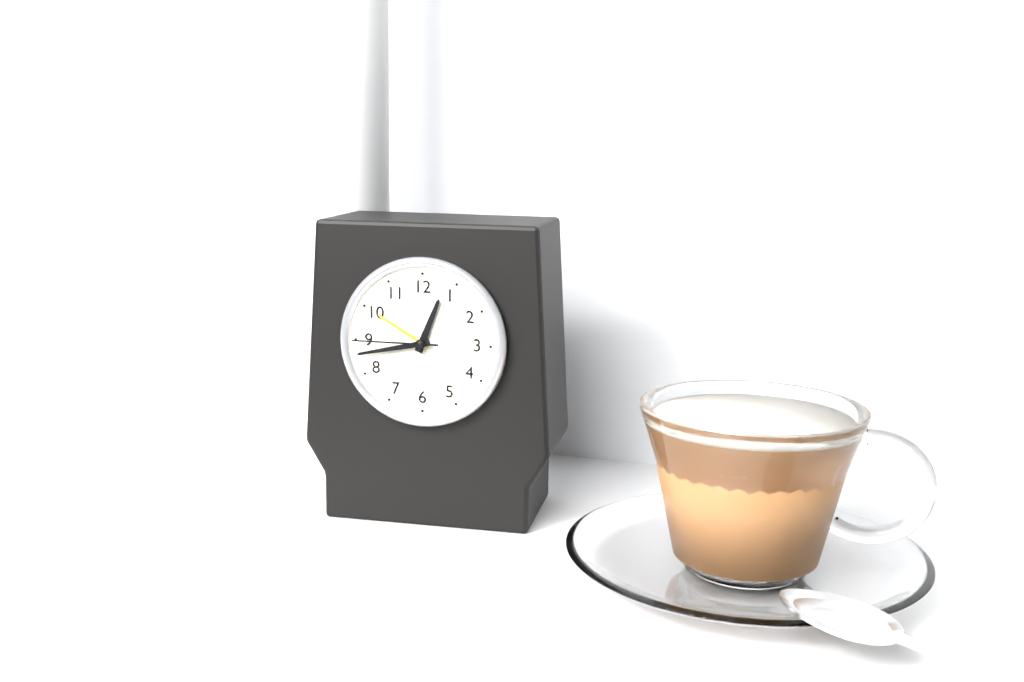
12:43:45
